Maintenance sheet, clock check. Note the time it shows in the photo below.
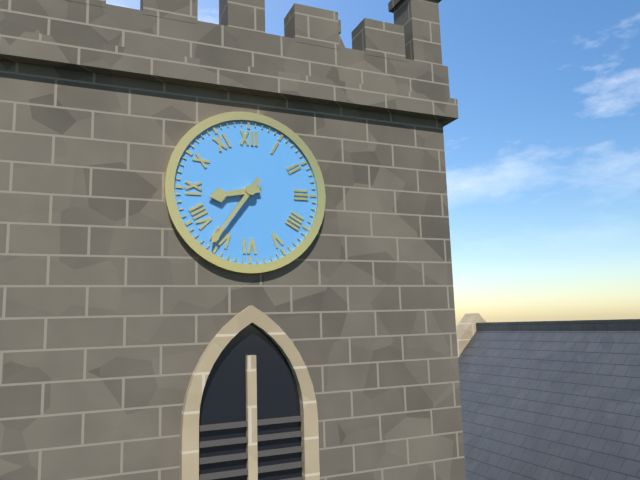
8:36
